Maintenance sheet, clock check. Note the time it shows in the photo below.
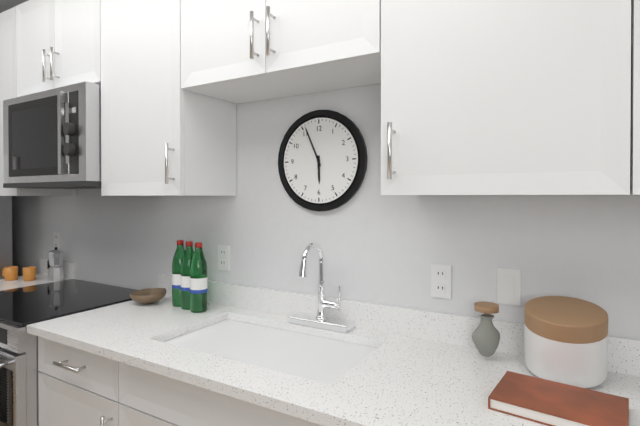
5:56
